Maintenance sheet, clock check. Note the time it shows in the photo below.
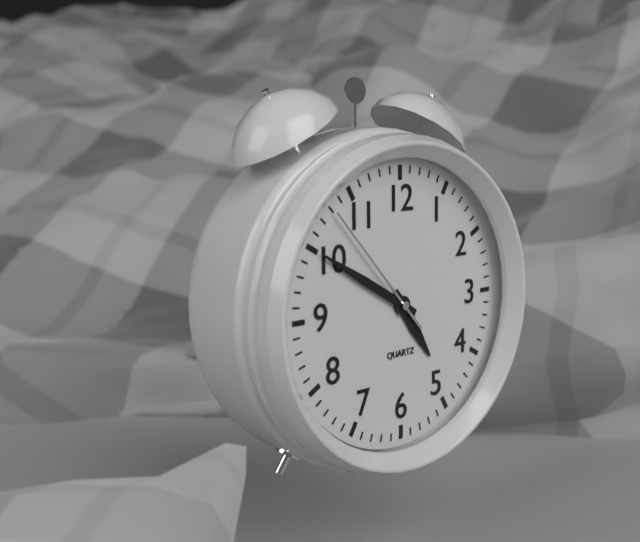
4:50:53
